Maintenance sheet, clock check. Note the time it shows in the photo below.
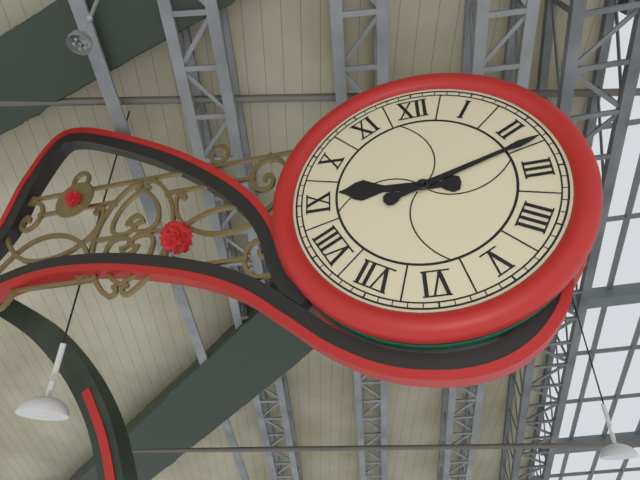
9:12
